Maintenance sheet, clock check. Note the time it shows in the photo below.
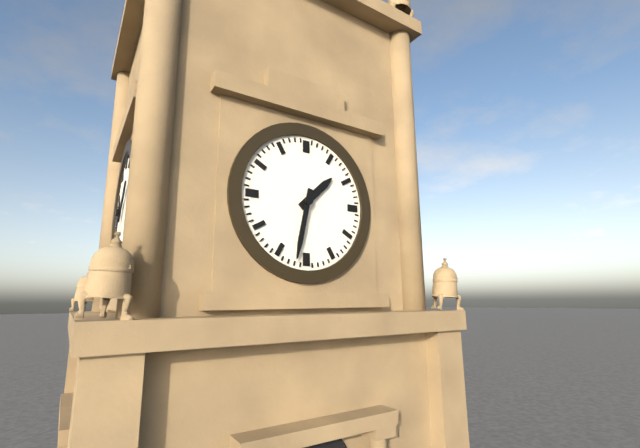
1:32
